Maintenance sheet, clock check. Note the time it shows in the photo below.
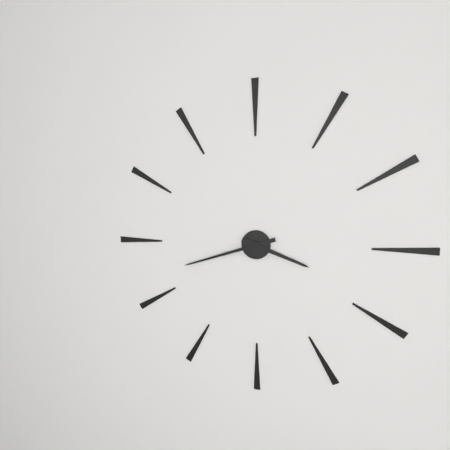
3:42
